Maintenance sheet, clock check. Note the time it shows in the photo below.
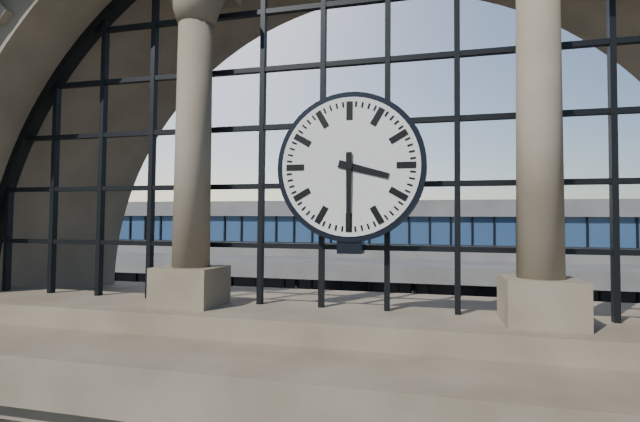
3:30
